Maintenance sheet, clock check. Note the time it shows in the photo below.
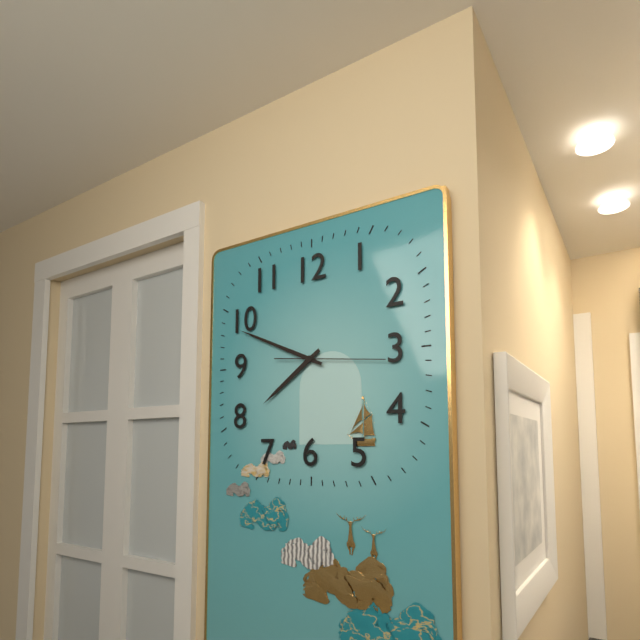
7:49:16
